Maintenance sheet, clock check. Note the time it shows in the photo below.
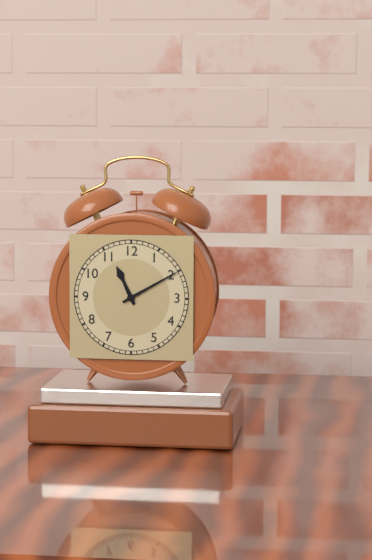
11:10
